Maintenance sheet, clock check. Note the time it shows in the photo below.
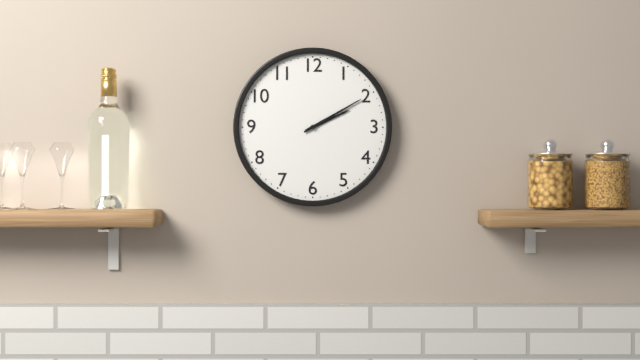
2:10
